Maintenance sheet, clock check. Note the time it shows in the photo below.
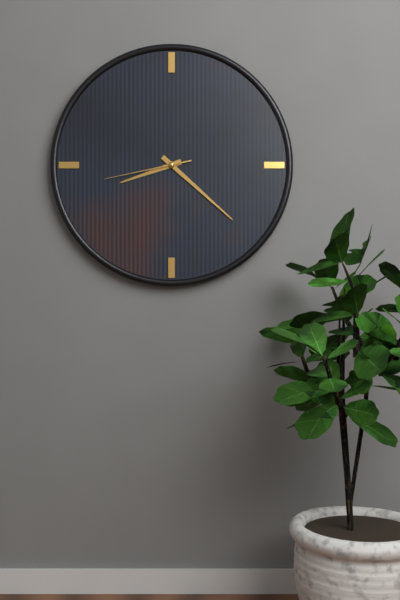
8:22:43
